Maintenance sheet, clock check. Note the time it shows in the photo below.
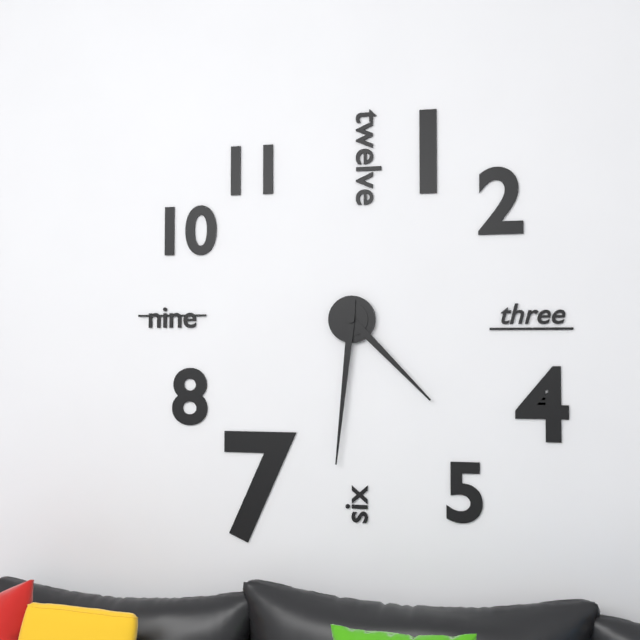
4:31
